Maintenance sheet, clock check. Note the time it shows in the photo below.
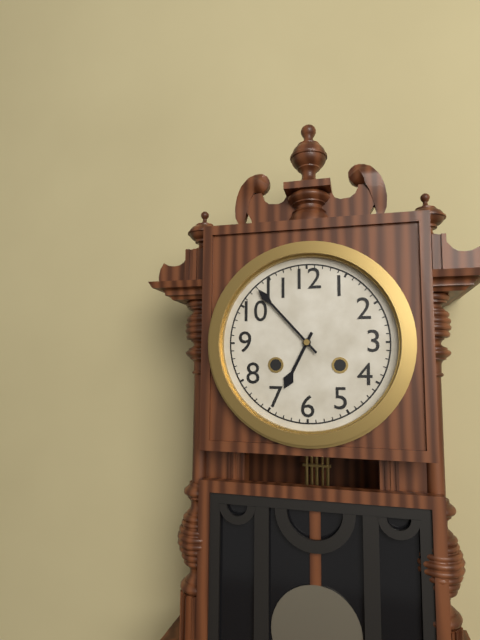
6:53
